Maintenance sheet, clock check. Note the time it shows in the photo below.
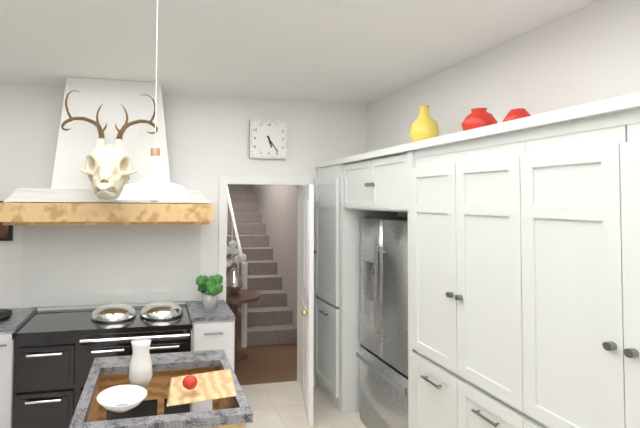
5:24
